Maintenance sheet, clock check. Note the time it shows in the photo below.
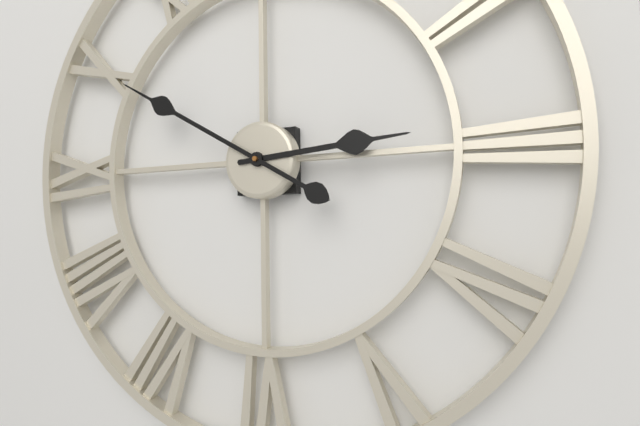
2:50
